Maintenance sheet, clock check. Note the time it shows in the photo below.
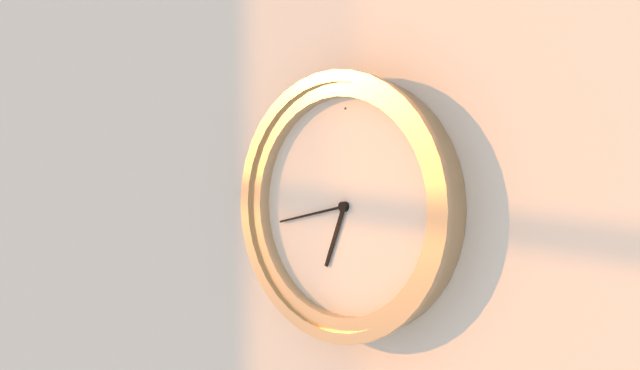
6:43
